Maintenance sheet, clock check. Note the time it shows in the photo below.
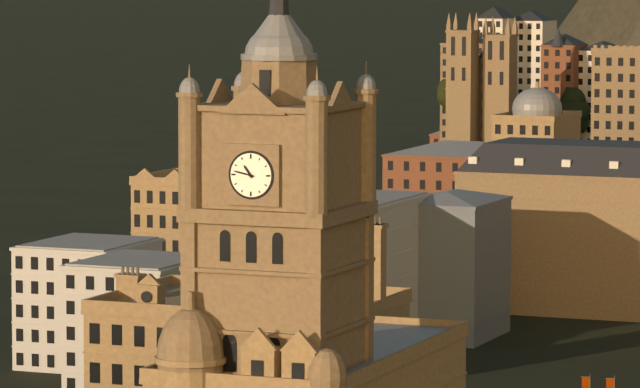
10:47
